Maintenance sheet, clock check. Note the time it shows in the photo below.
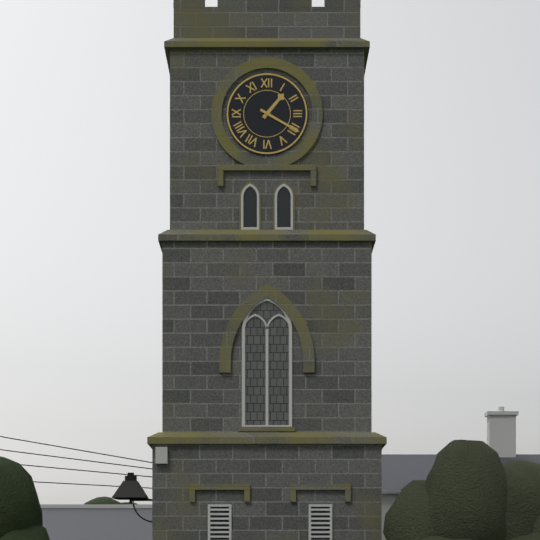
1:20
